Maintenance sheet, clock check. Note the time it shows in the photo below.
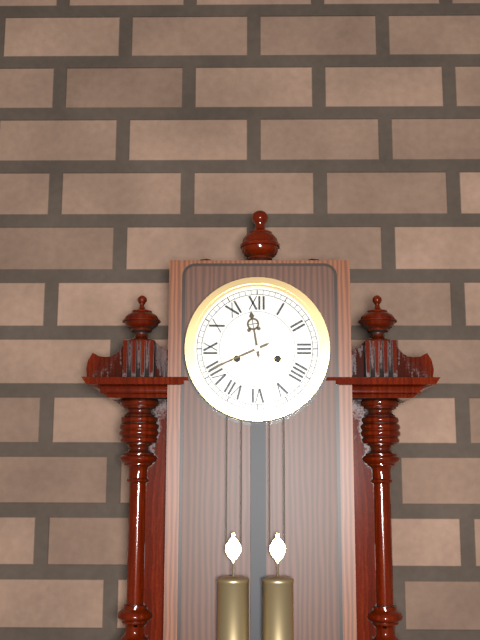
11:41
